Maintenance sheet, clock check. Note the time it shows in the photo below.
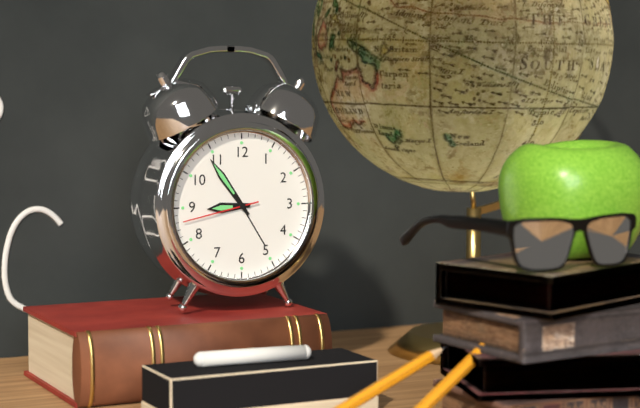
8:54:43
